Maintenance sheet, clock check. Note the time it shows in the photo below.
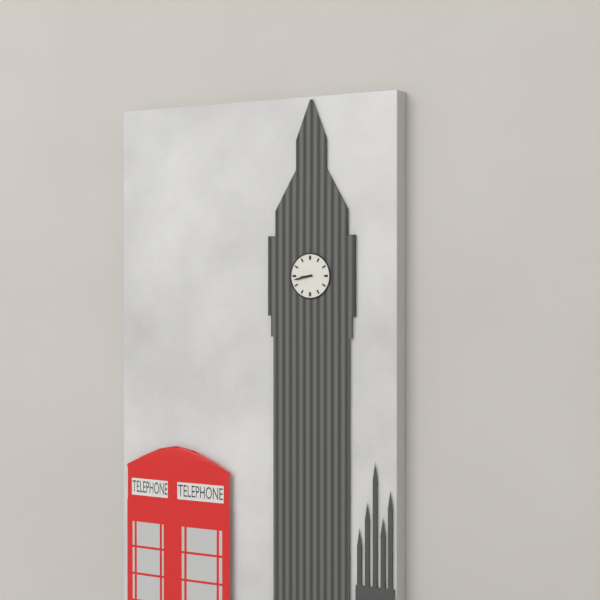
8:43
